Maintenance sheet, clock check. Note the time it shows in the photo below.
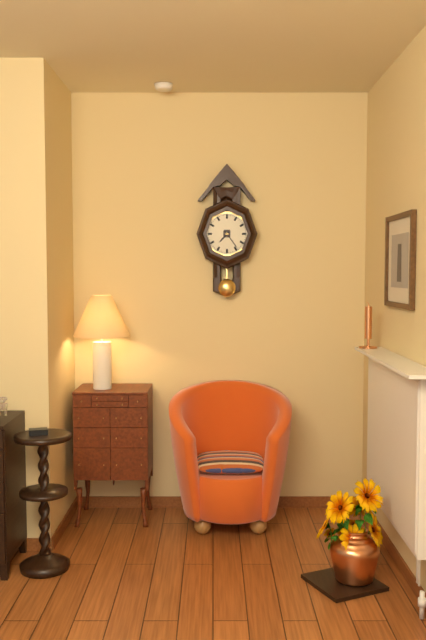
7:24
